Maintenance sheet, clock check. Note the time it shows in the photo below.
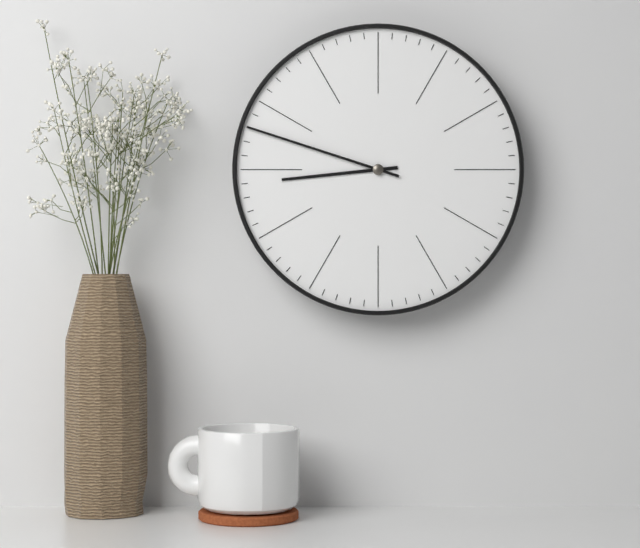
8:48
